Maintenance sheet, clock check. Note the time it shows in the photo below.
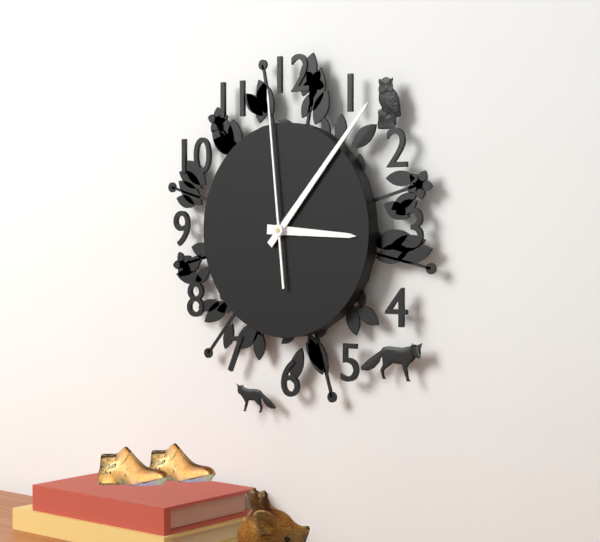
3:07:59
